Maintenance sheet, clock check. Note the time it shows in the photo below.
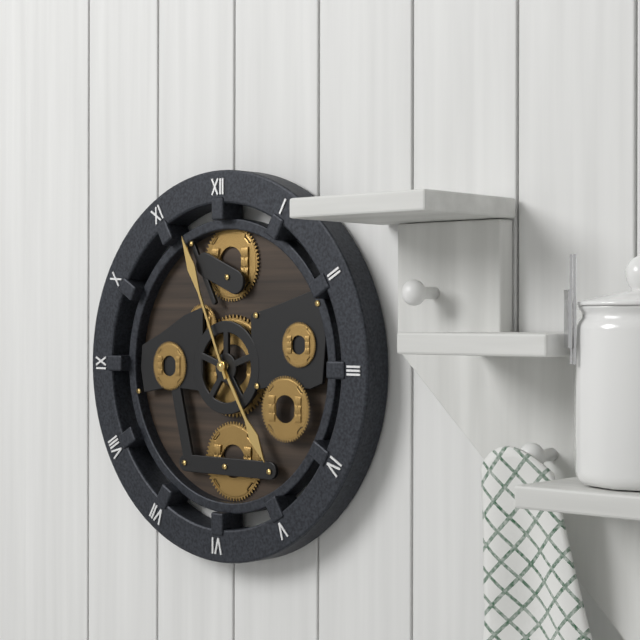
4:56
